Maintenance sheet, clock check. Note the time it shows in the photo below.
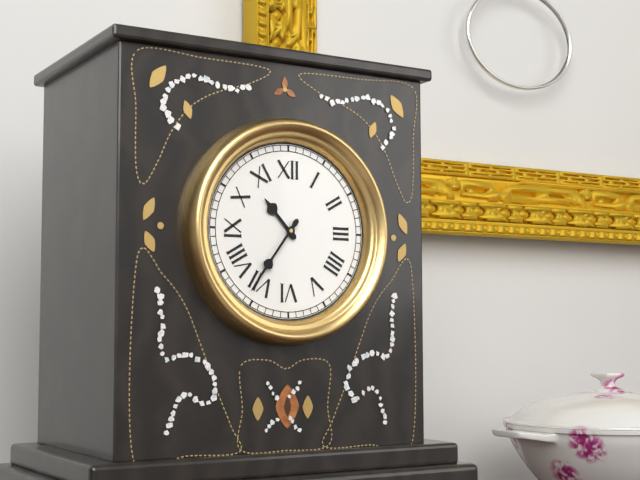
10:36
